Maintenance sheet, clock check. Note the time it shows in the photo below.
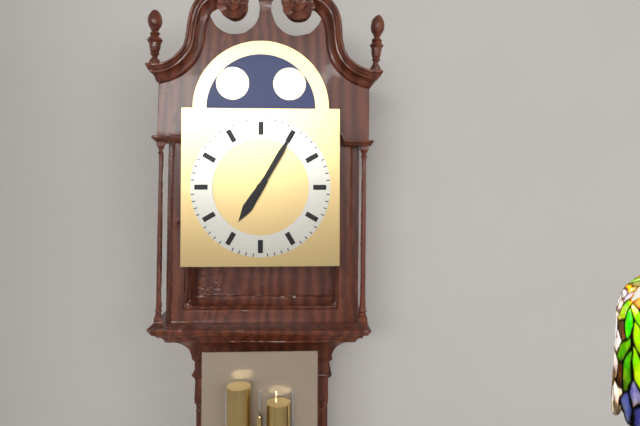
7:05
